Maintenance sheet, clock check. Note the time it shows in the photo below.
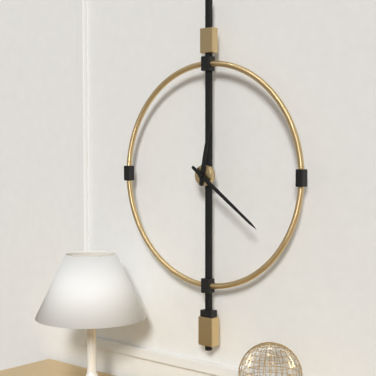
12:21
